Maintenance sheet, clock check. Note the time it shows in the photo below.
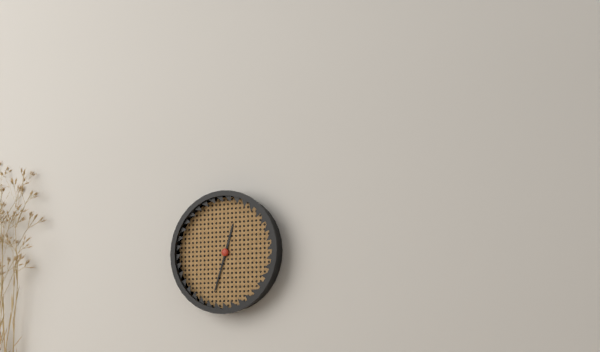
12:33
